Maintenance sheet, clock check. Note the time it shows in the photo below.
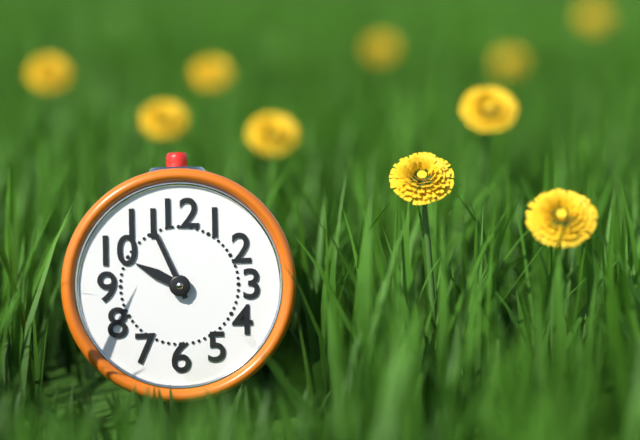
9:56
